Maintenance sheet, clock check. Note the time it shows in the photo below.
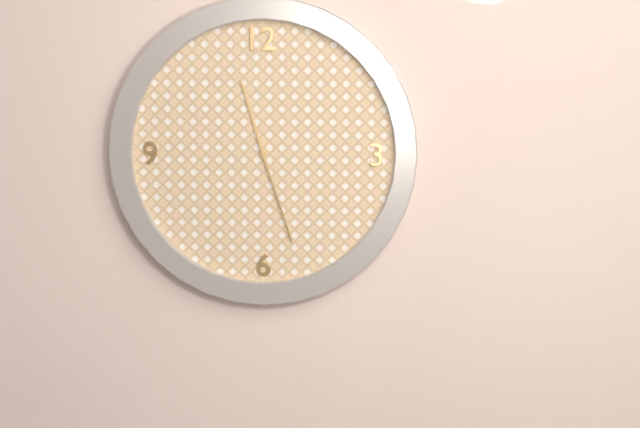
11:27
